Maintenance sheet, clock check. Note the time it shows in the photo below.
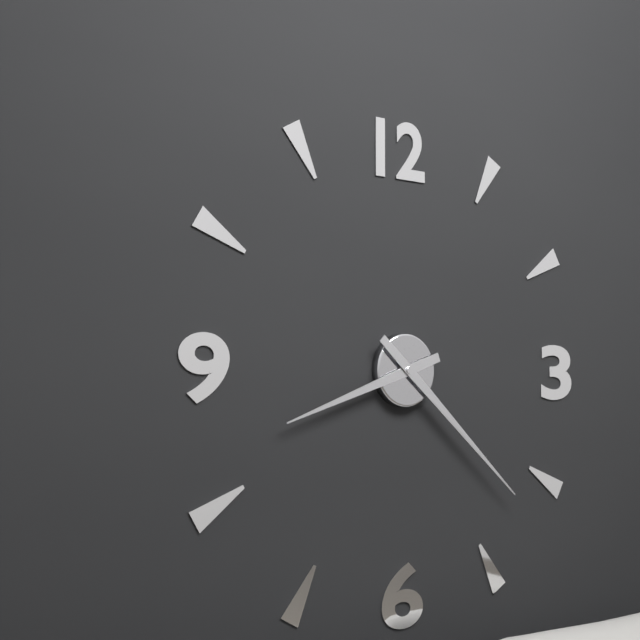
8:22
